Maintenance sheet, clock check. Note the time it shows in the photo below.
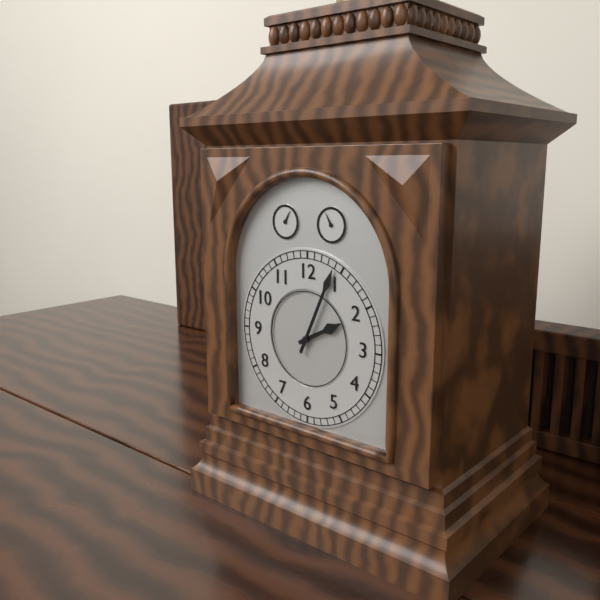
2:04
